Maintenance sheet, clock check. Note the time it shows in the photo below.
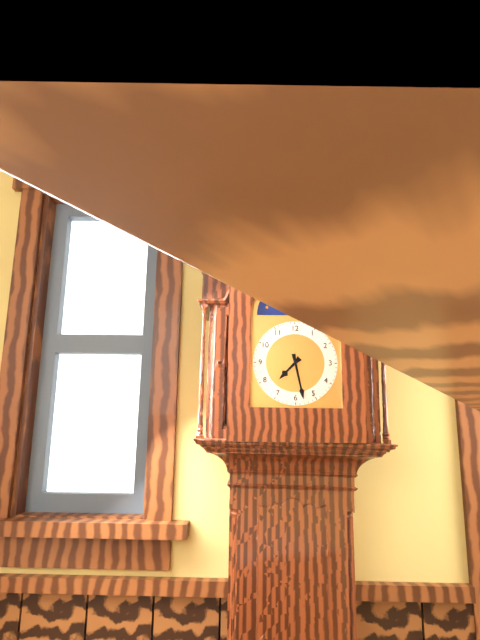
7:28
